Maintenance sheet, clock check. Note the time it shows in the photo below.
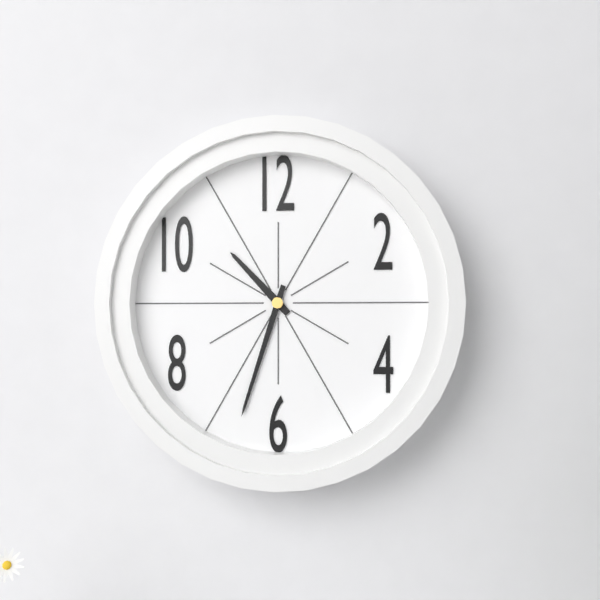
10:33
